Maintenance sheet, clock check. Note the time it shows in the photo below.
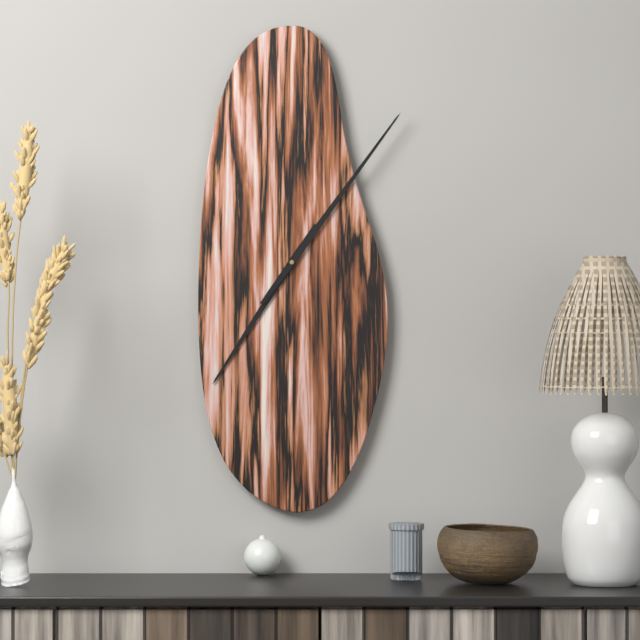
7:06
